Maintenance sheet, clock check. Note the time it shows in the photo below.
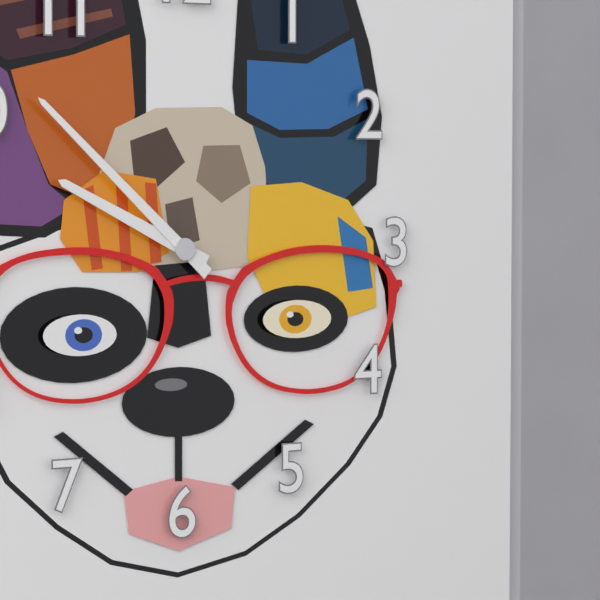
9:52
